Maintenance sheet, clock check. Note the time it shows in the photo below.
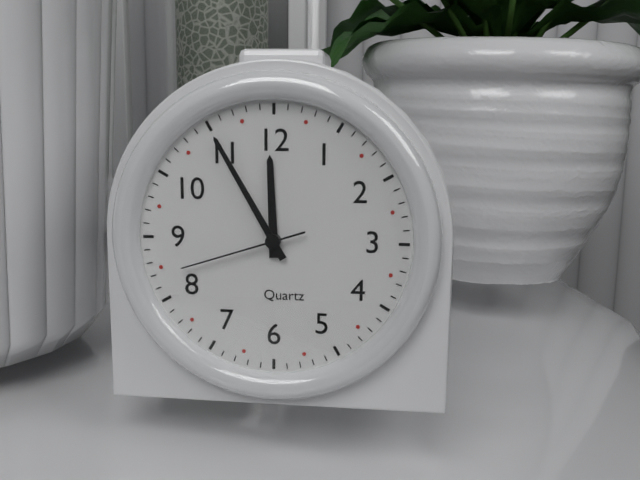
11:55:42
